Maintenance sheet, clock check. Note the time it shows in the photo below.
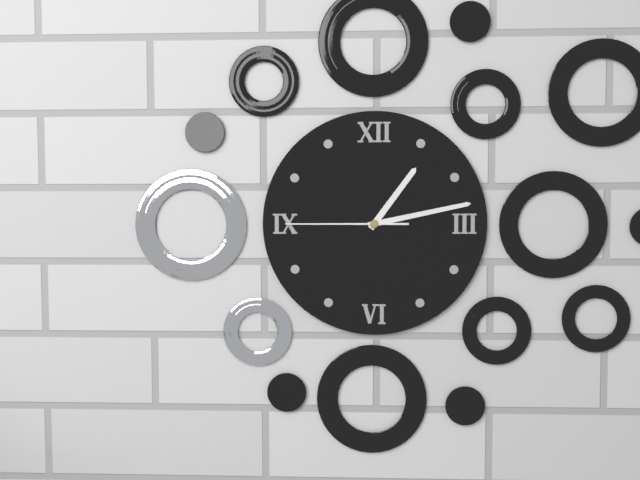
1:13:45
